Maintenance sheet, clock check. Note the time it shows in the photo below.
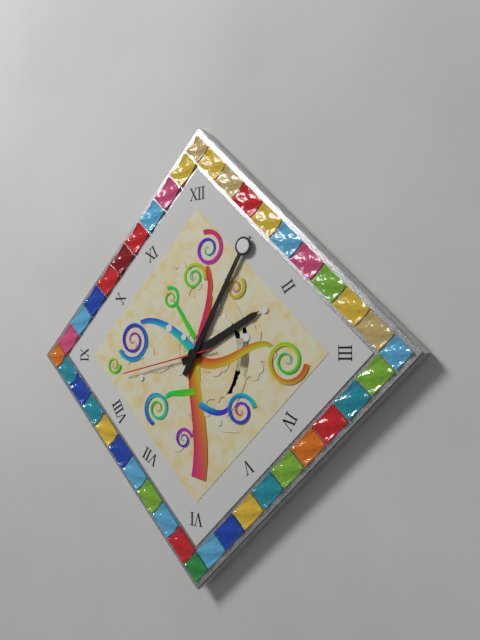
2:05:43
